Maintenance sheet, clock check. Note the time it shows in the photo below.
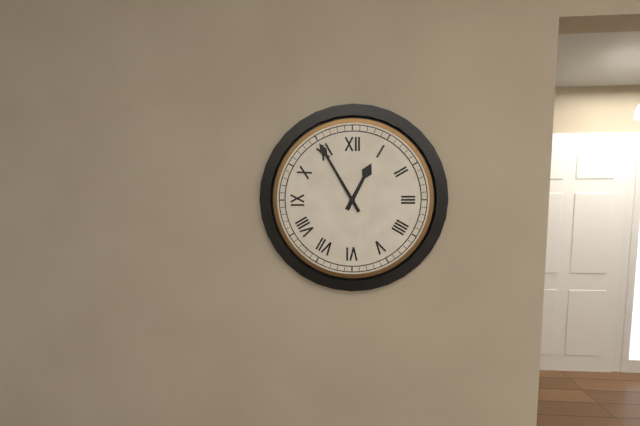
12:55
